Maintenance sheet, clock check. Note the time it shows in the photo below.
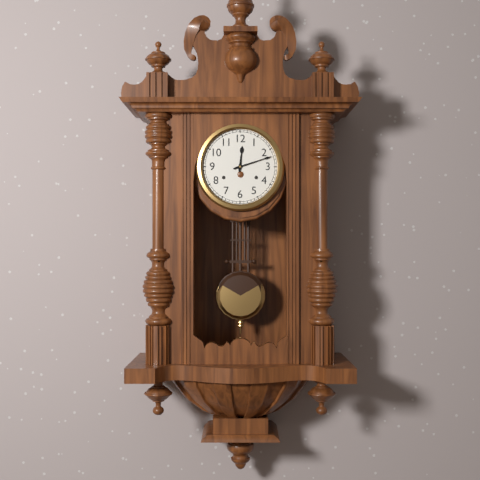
12:12
